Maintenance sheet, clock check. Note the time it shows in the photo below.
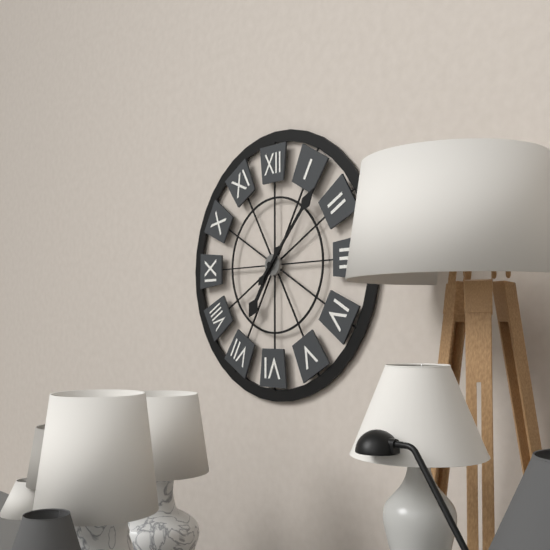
7:07
